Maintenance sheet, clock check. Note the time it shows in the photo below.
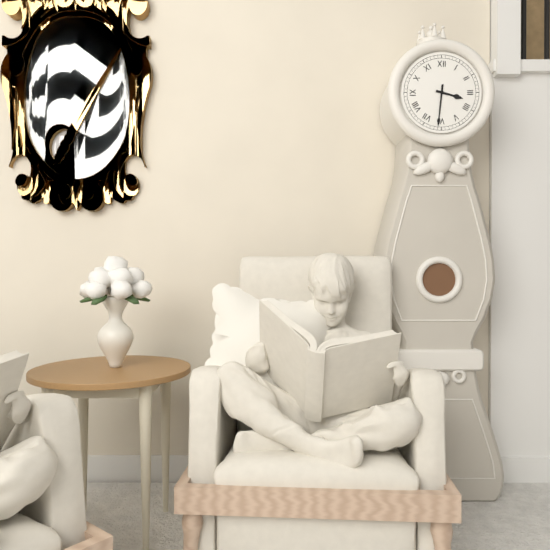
3:31
